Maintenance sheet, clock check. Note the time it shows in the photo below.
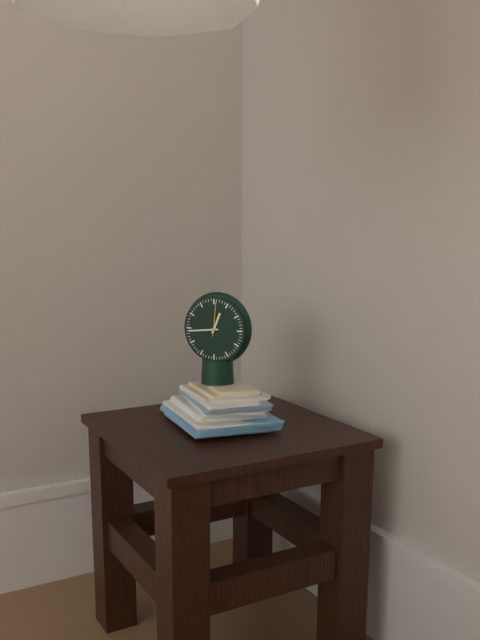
12:44
